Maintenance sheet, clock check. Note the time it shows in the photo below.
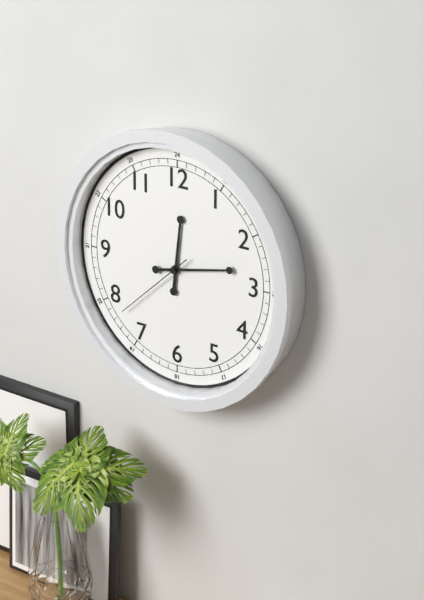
12:13:38
